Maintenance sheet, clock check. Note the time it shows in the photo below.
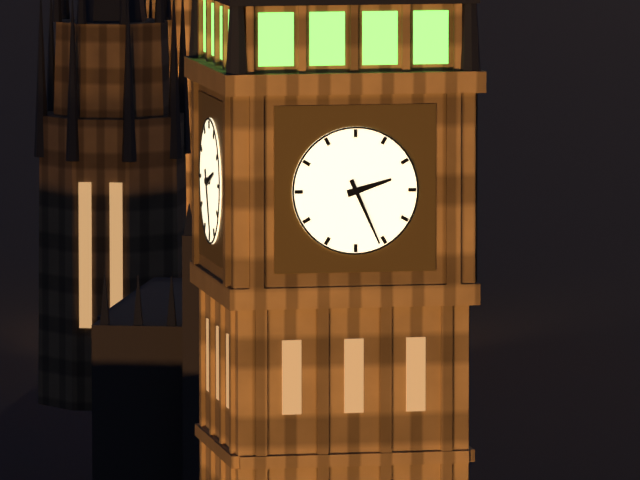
2:26
